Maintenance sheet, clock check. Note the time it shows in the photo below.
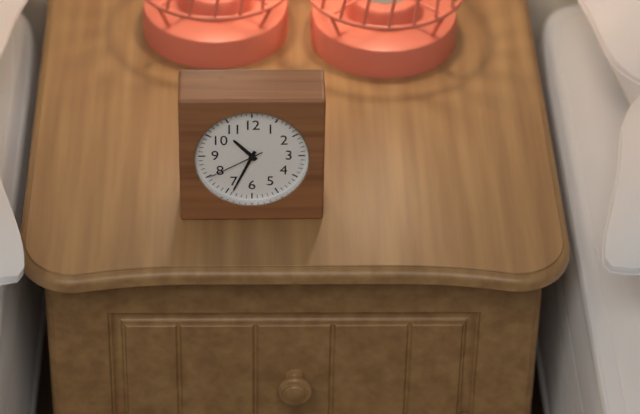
10:34:40
